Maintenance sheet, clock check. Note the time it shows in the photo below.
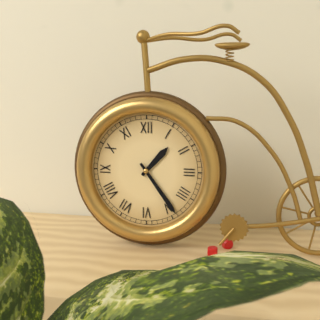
1:24
